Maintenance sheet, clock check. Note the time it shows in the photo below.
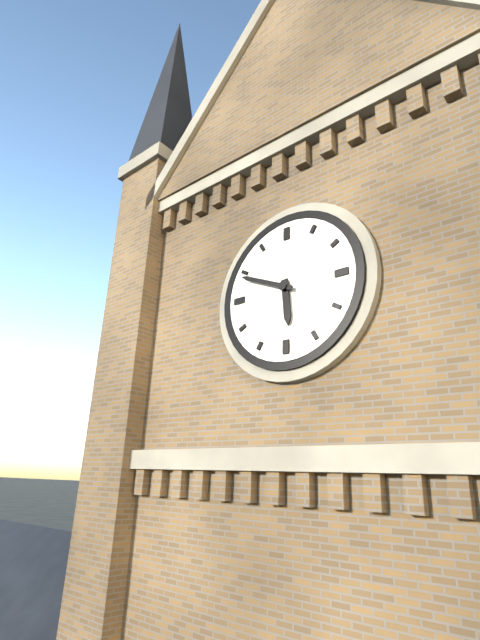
5:49
